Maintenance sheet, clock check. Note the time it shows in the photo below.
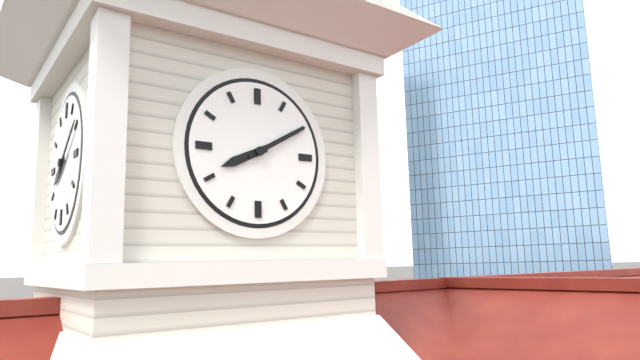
8:10
